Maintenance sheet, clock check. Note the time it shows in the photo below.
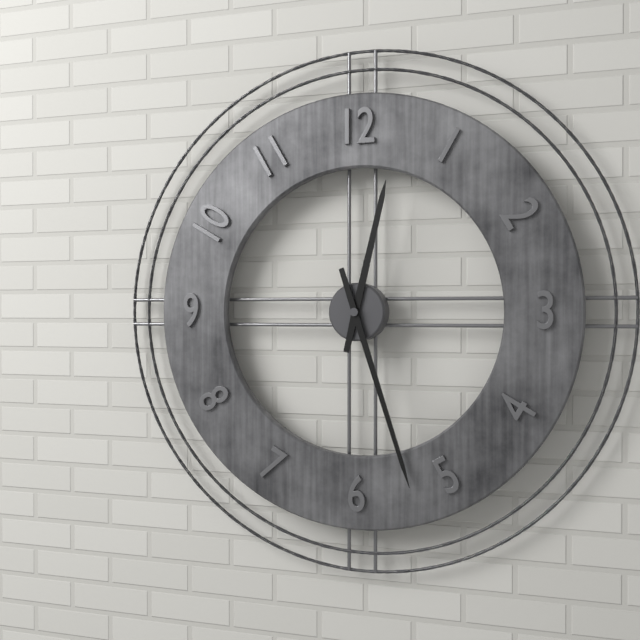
12:27
